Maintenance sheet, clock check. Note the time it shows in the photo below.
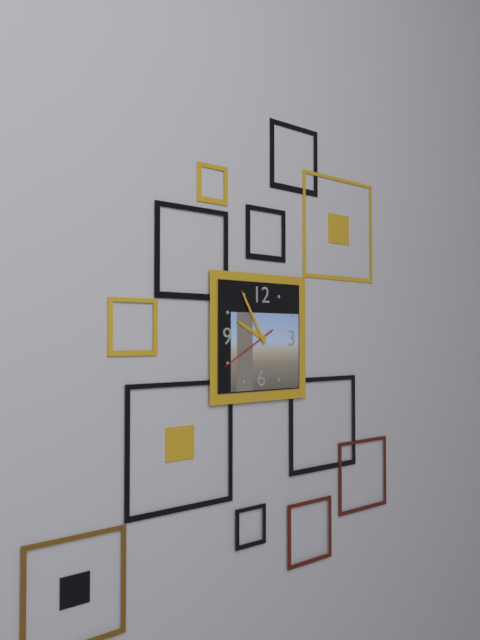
9:55:40
